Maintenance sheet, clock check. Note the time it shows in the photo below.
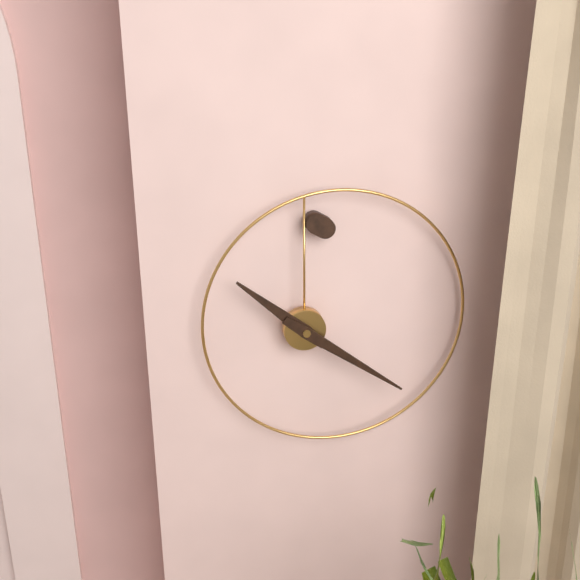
10:21
